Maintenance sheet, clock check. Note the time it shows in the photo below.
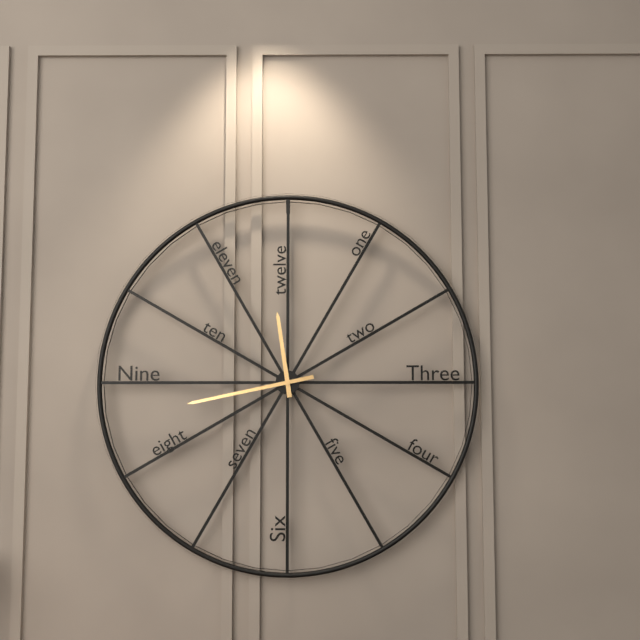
11:43
